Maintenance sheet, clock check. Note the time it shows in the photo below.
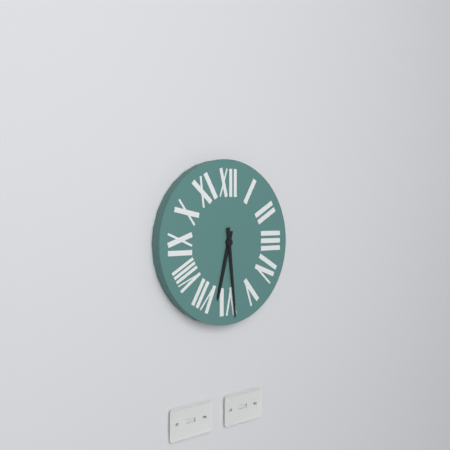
6:29
